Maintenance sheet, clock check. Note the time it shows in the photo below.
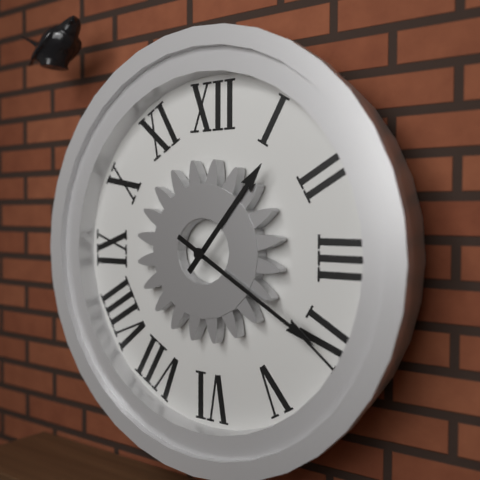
1:20
